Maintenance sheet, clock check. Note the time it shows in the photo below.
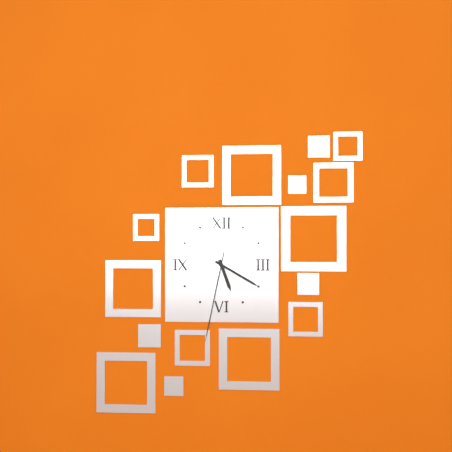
5:20:32
